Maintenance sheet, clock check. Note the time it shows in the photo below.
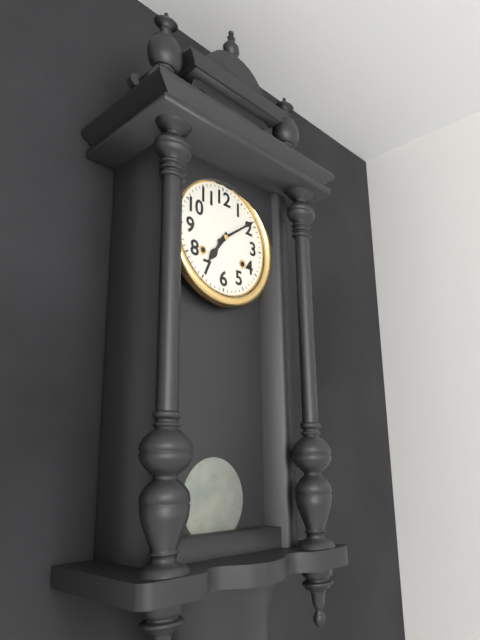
7:09
